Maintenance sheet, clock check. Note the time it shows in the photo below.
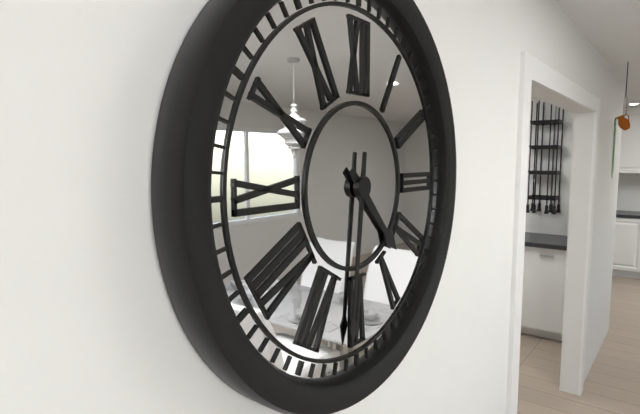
4:31
